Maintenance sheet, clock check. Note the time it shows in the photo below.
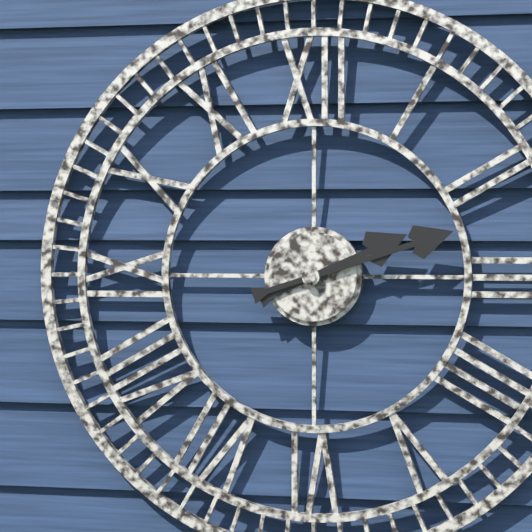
2:12
